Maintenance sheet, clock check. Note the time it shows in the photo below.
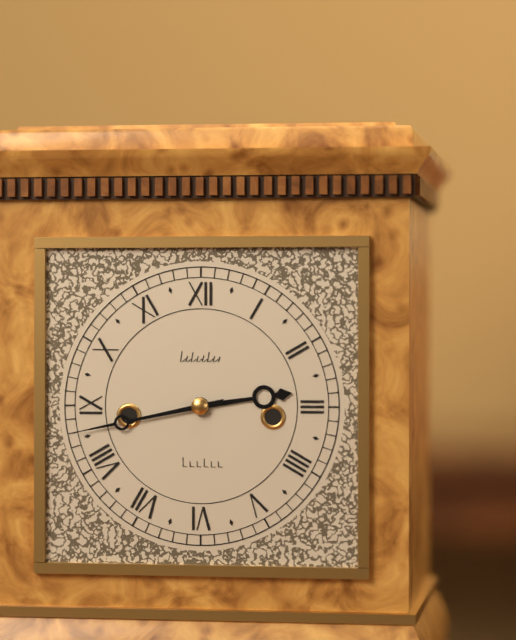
2:43
